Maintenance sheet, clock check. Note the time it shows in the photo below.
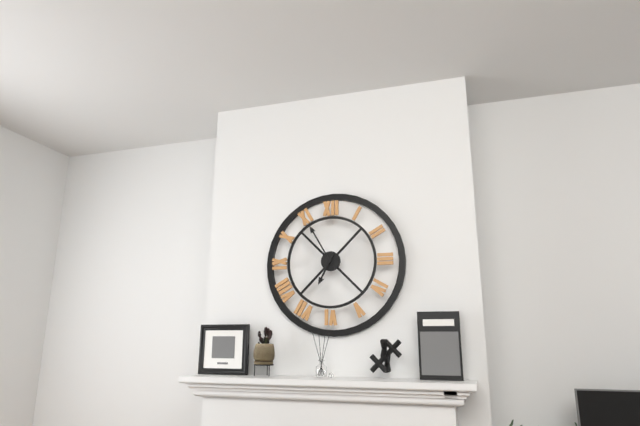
6:55
